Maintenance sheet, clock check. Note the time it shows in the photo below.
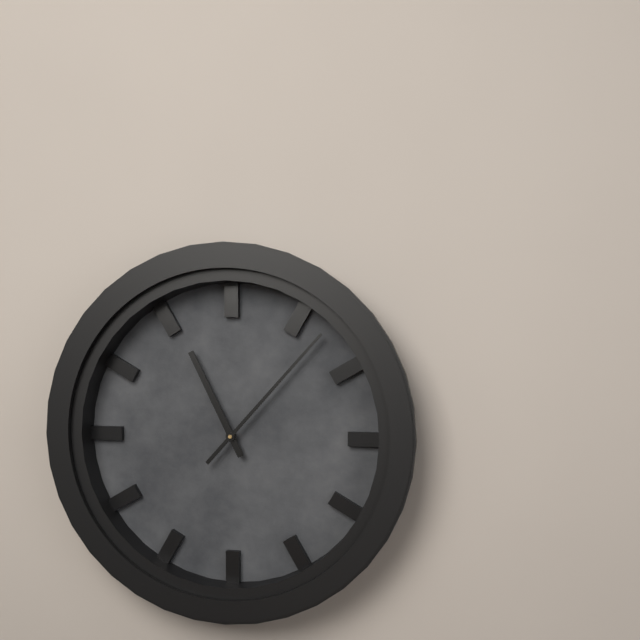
11:07
